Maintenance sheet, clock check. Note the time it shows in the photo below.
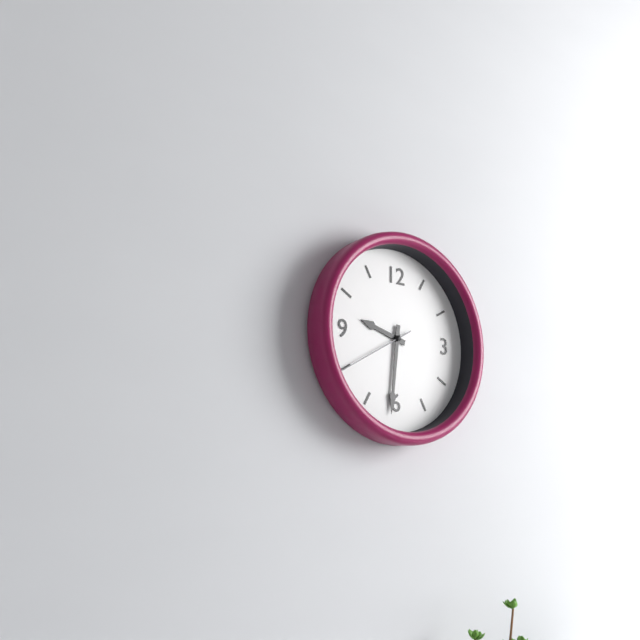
9:31:40
